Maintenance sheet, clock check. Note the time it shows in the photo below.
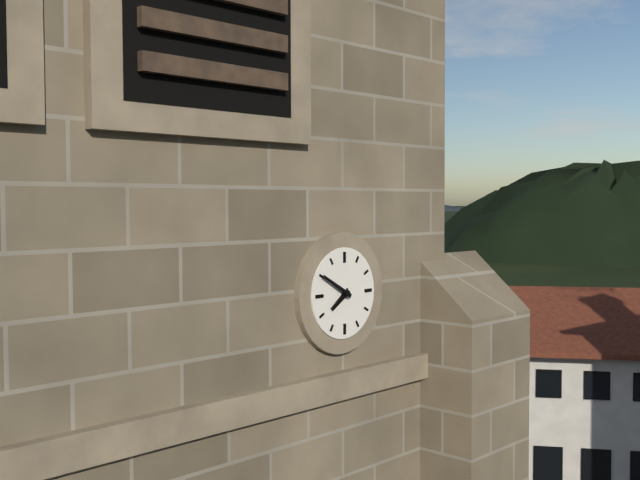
7:50
